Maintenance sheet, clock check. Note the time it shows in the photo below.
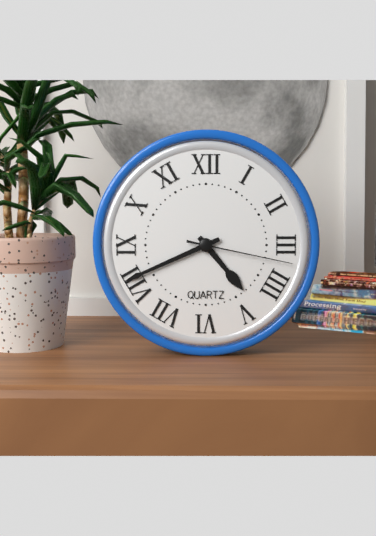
4:41:17
